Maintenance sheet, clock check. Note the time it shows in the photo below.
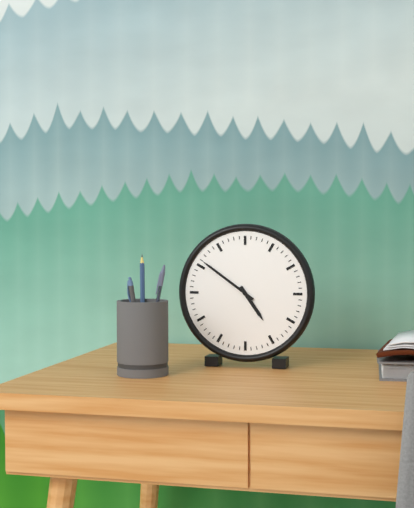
4:51
